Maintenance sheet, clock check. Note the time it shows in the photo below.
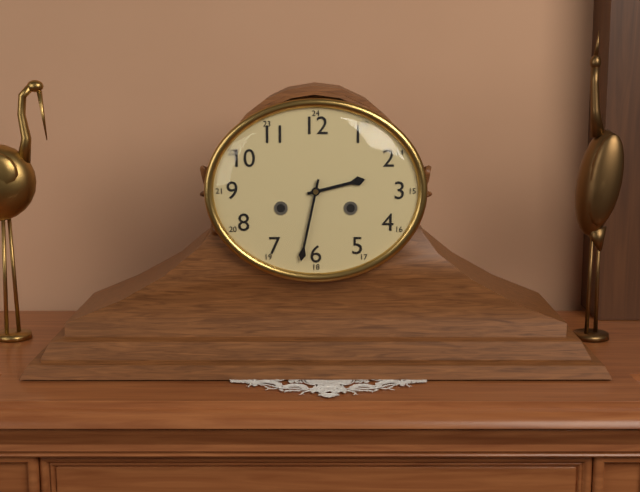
2:32
